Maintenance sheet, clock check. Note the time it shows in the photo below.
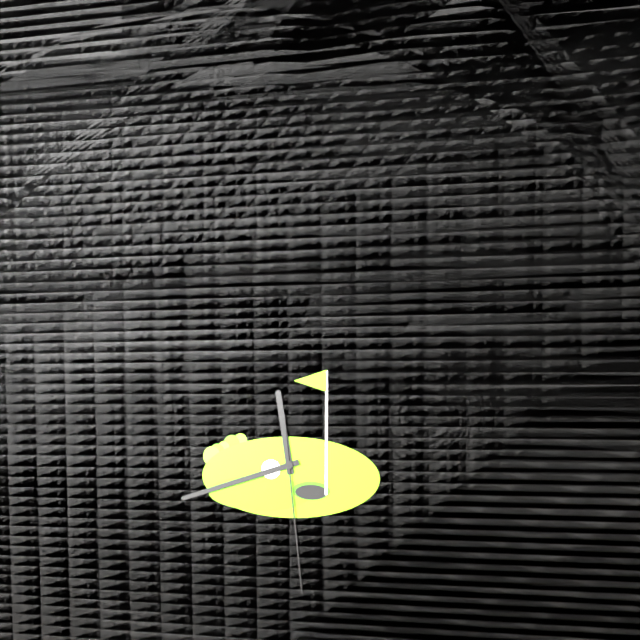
11:42:29
